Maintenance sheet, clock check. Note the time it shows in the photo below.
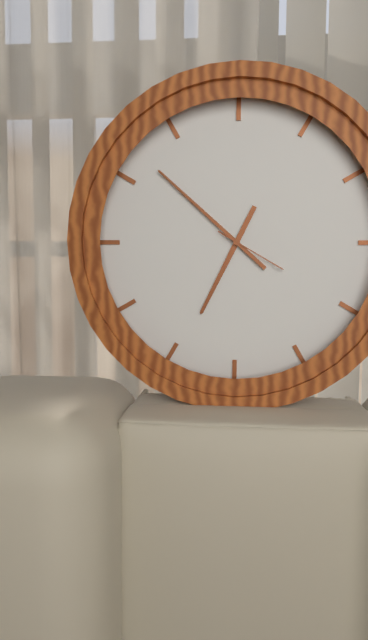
6:52:20
